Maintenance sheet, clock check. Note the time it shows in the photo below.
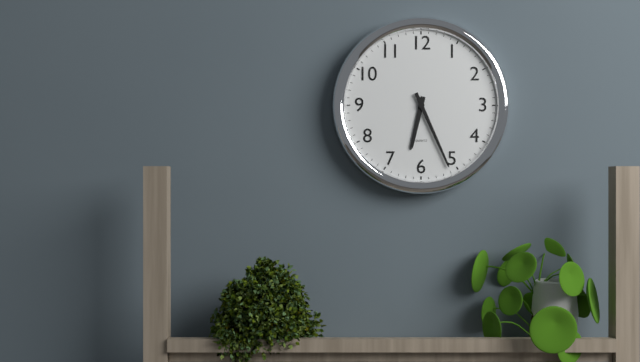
6:26
